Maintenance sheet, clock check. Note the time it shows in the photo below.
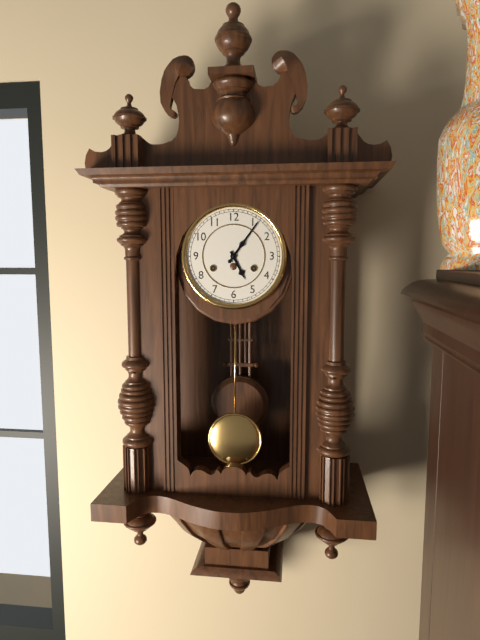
5:06
